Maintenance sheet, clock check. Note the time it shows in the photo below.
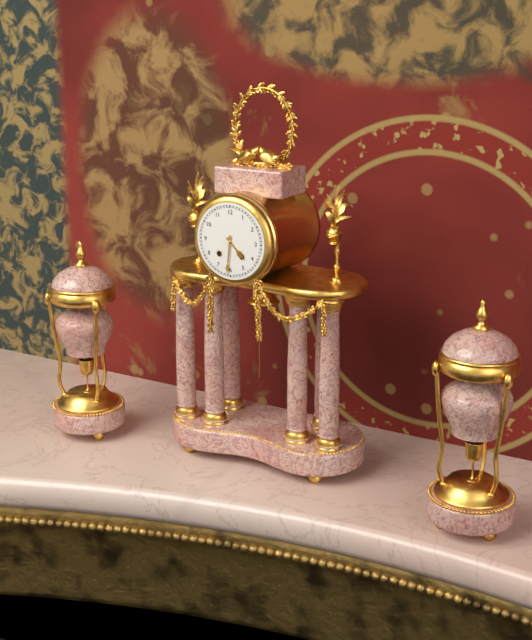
4:31
